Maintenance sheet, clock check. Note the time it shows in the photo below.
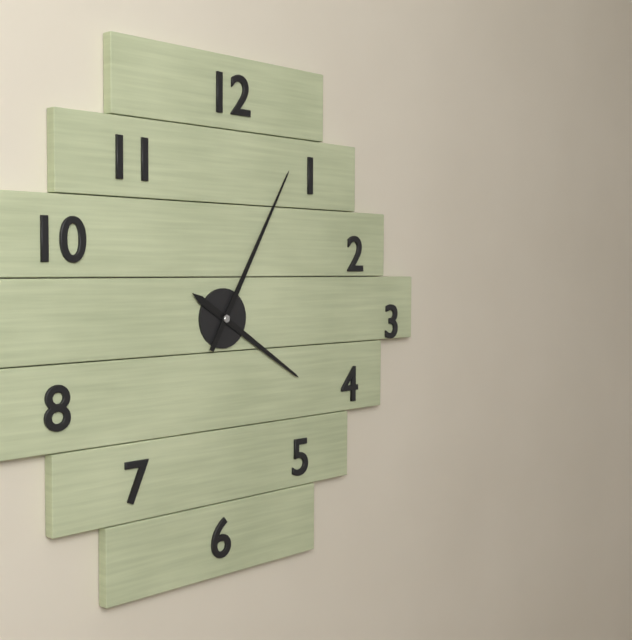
4:05
